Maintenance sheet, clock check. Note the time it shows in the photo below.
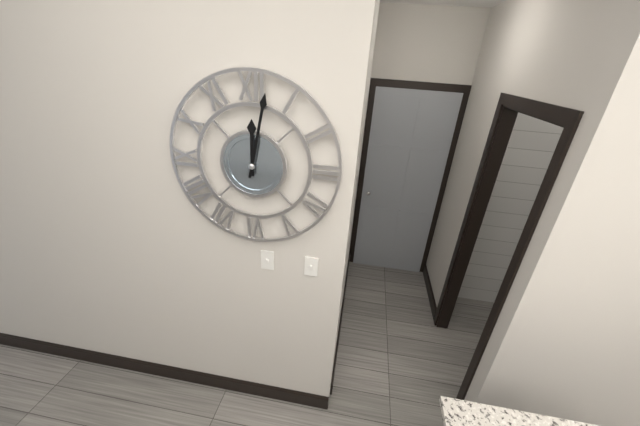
12:02
